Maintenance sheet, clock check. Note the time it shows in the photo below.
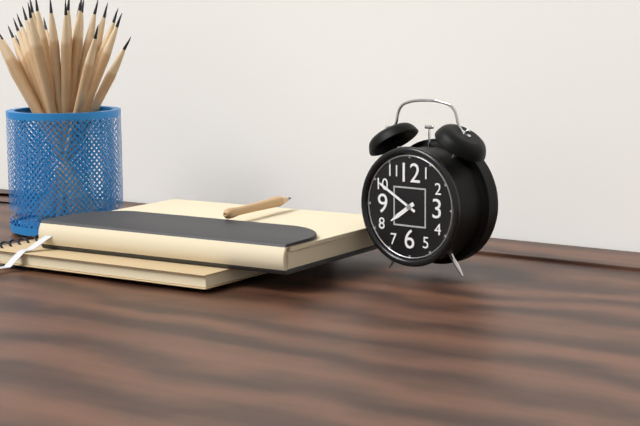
7:50
